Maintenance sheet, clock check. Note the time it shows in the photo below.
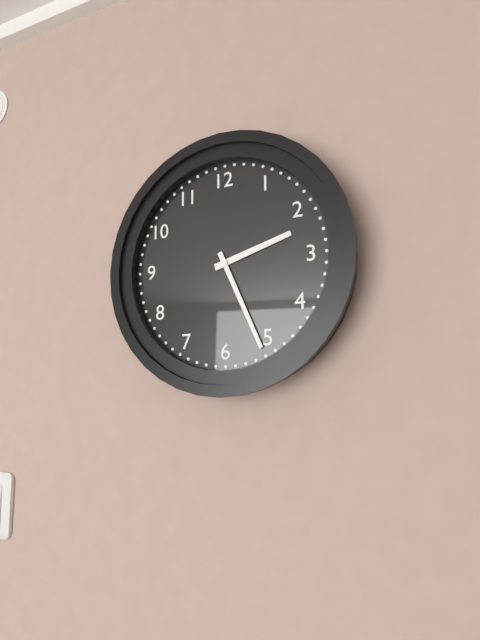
2:26
